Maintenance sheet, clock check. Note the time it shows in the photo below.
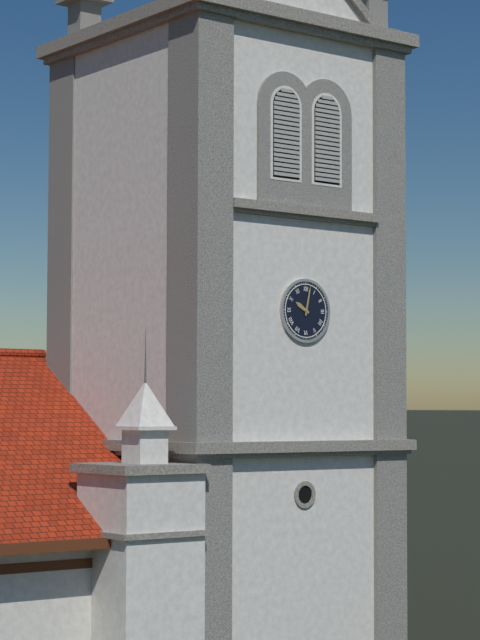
10:02
